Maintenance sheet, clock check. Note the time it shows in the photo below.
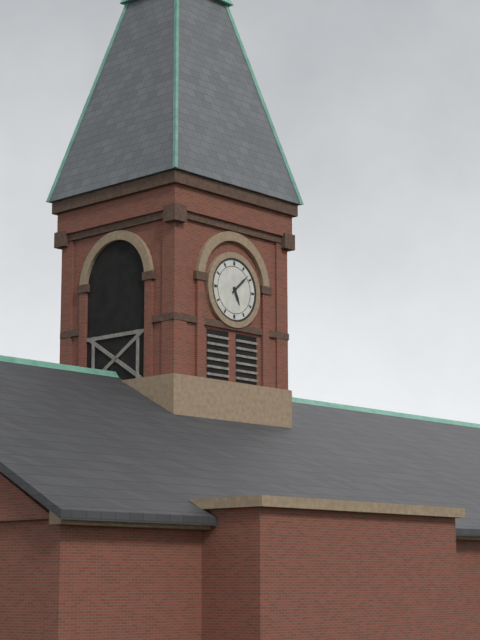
5:08
